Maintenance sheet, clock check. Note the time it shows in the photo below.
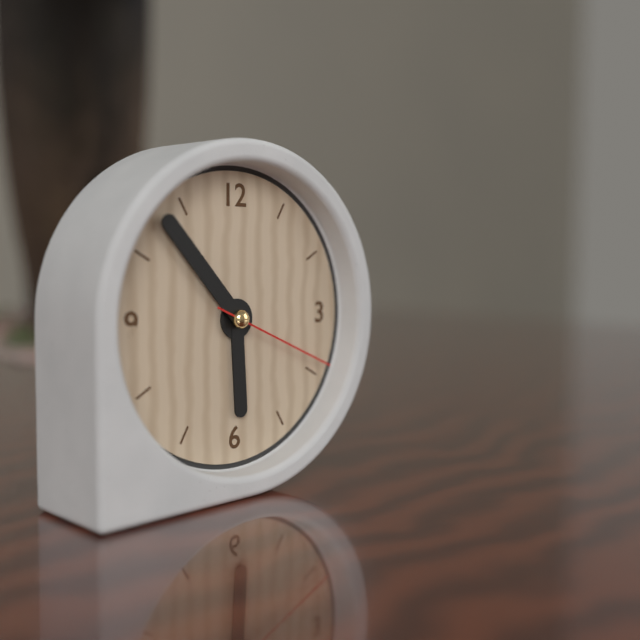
5:53:19
